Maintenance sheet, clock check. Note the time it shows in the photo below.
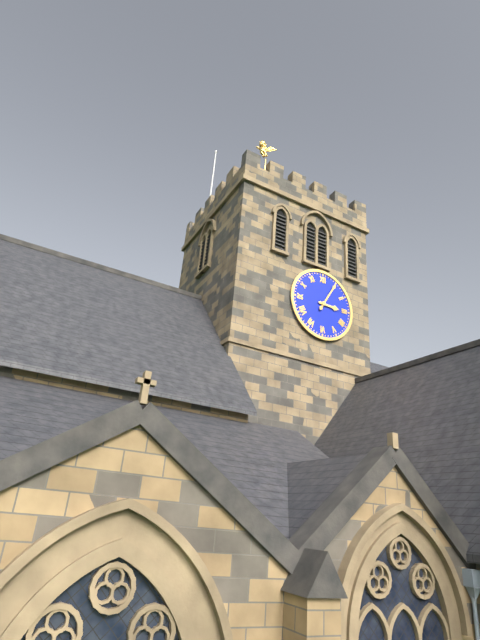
3:05
